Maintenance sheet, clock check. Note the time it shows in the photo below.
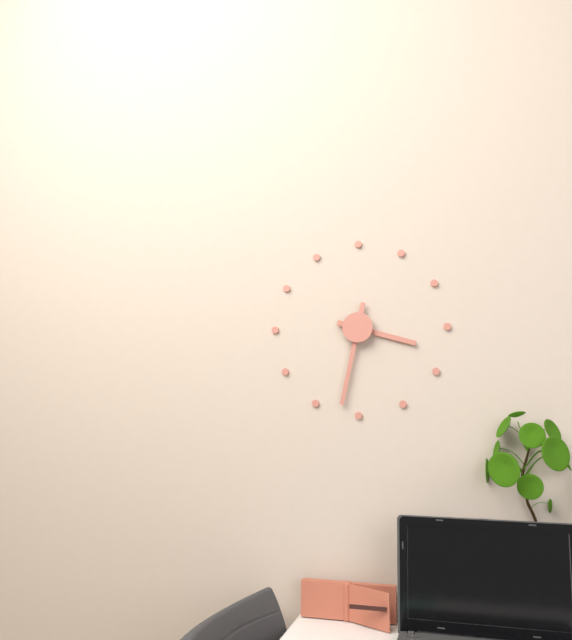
3:32
